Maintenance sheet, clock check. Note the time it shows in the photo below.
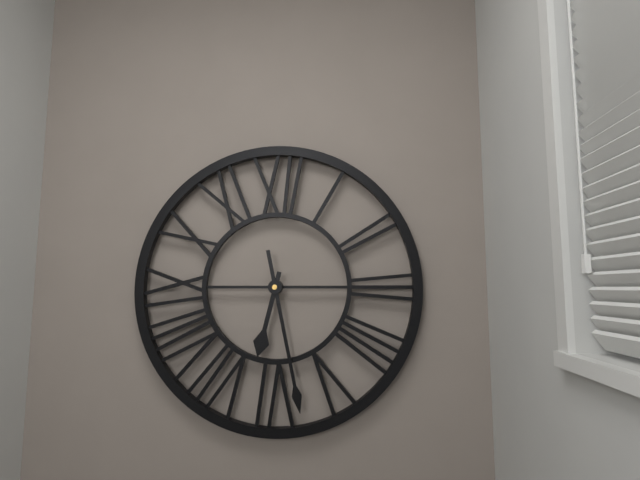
6:28
